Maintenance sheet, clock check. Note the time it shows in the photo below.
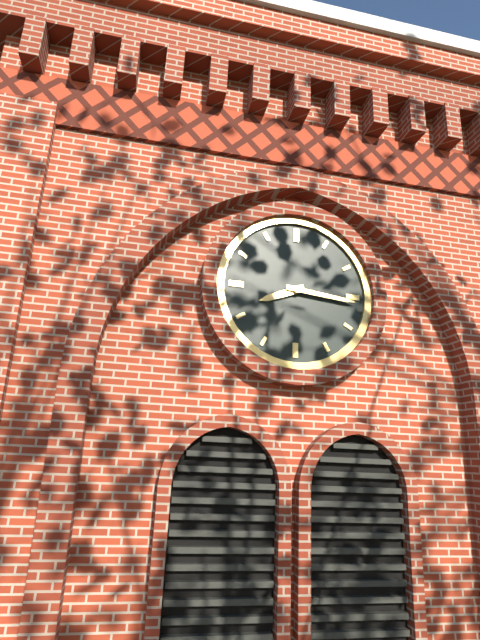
8:16
